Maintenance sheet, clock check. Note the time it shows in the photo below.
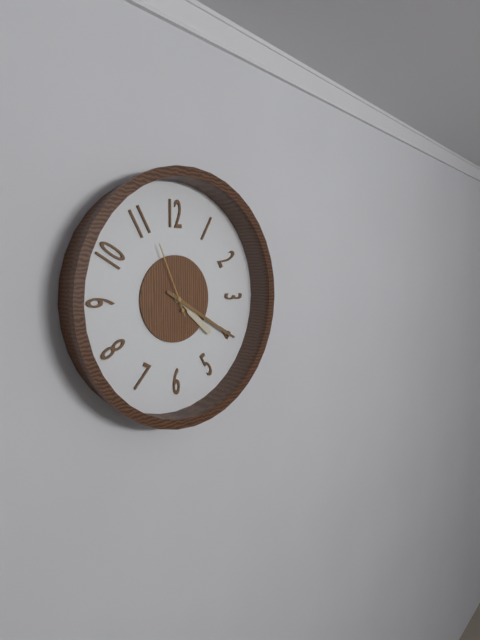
4:20:56
